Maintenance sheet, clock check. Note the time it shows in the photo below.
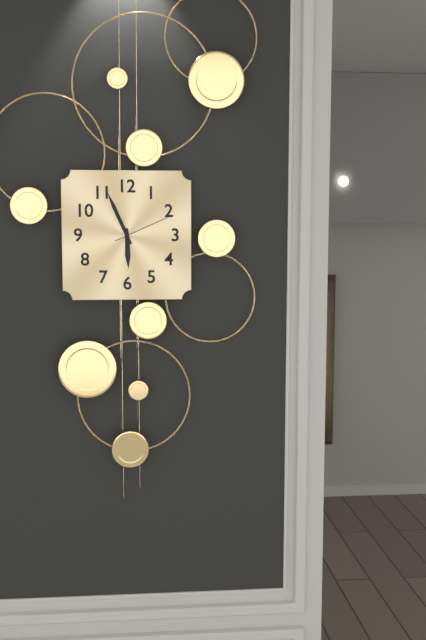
5:56:11
